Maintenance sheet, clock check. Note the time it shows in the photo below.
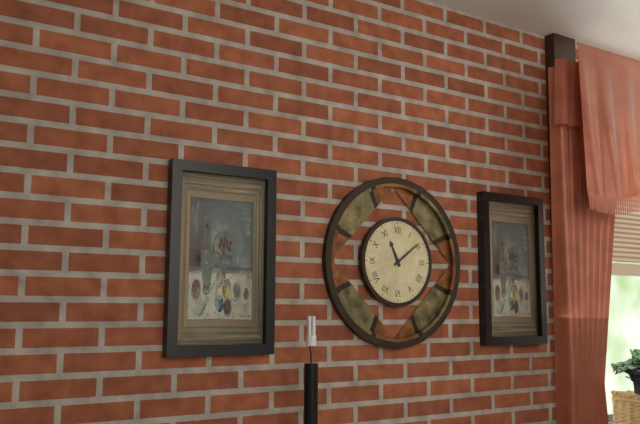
11:09
